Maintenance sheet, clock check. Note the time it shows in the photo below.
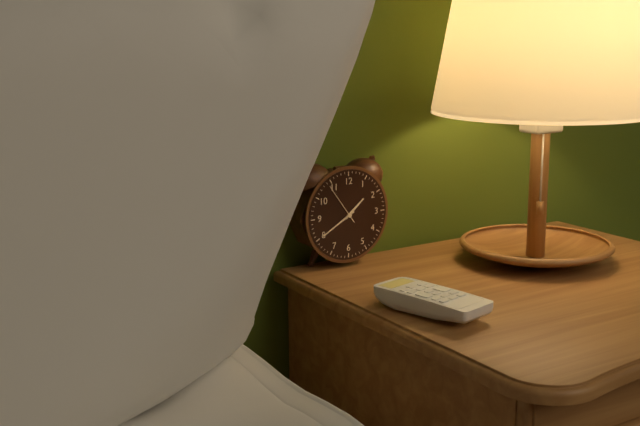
1:40
